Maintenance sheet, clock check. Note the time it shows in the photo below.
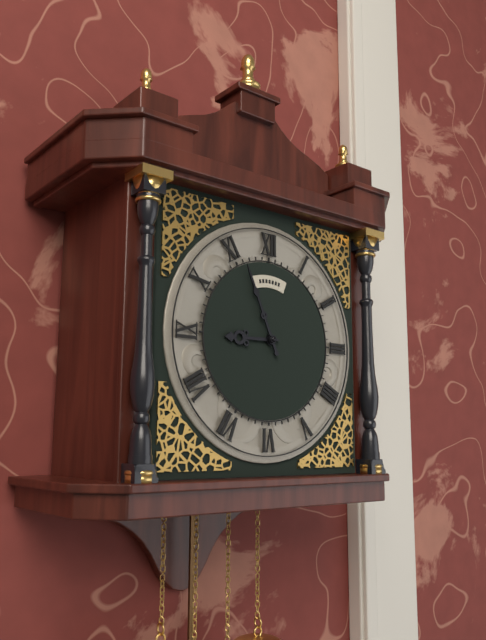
8:56
